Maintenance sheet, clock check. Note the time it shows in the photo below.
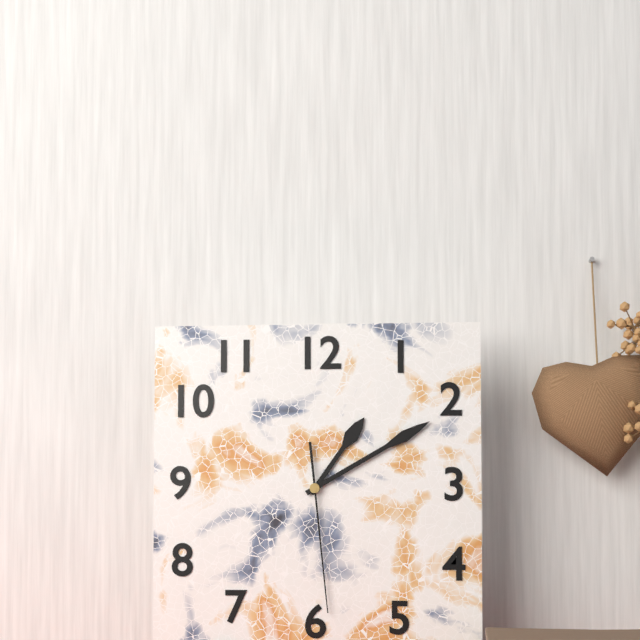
1:10:29
